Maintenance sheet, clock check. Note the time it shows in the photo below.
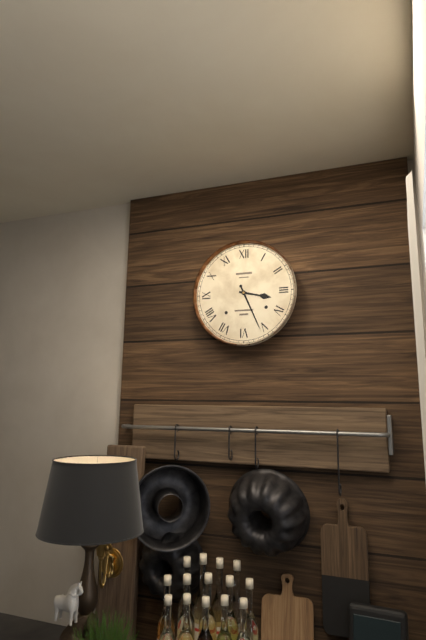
3:26
